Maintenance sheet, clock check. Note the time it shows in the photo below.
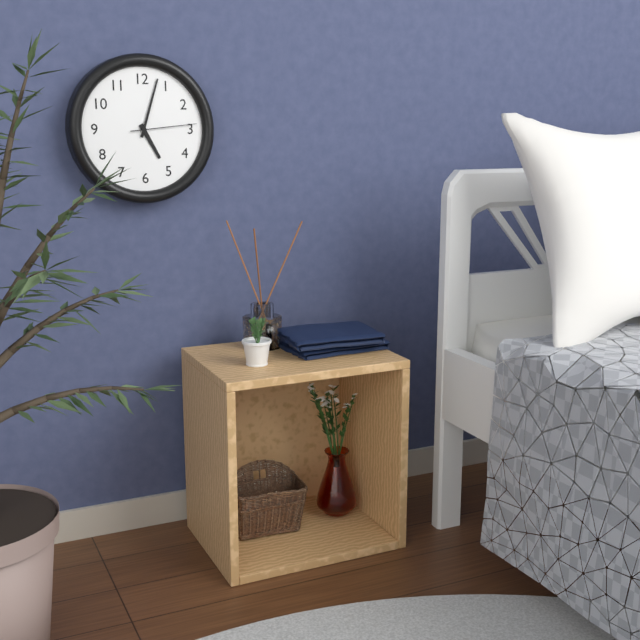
5:03:14
